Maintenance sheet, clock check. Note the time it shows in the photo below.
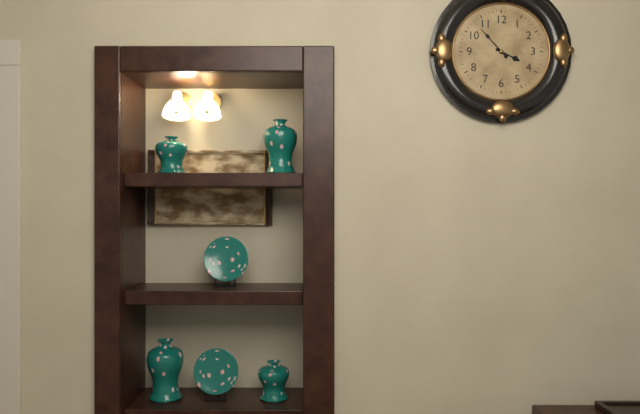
3:53
